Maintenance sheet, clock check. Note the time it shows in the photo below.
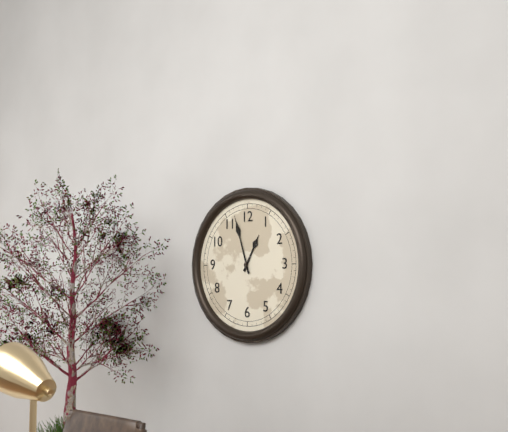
12:57
